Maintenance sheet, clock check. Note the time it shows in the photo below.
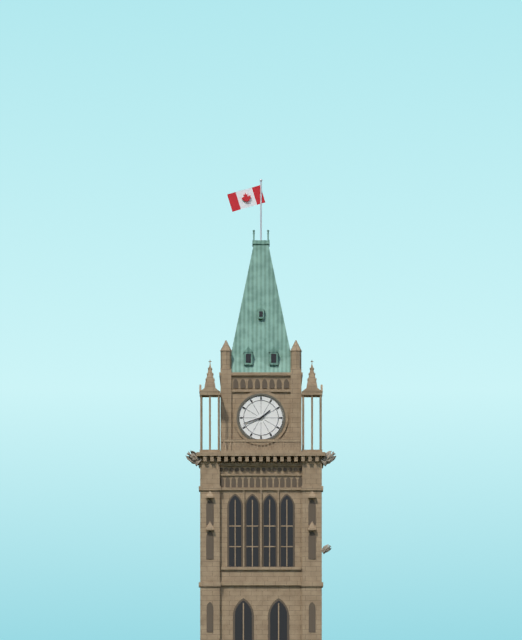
1:42
